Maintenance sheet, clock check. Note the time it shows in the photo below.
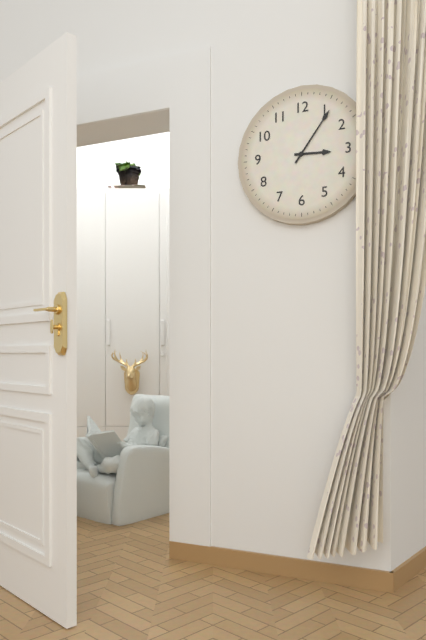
3:06
